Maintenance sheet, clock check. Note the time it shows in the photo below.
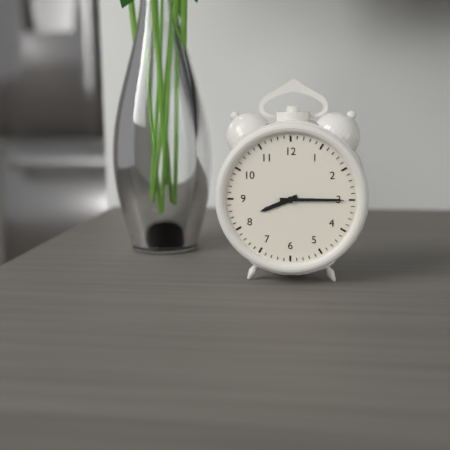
8:15
